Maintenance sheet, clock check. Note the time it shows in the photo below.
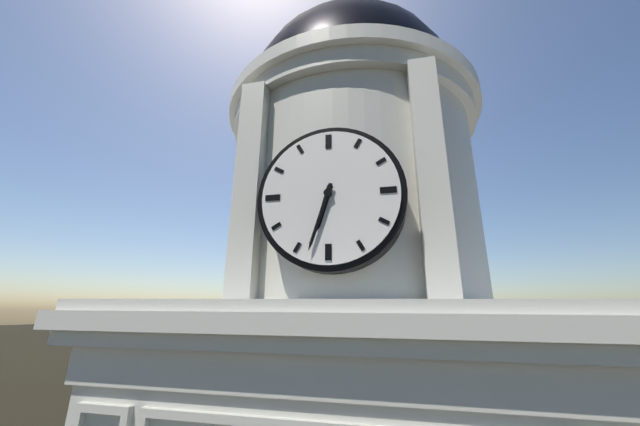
6:33
